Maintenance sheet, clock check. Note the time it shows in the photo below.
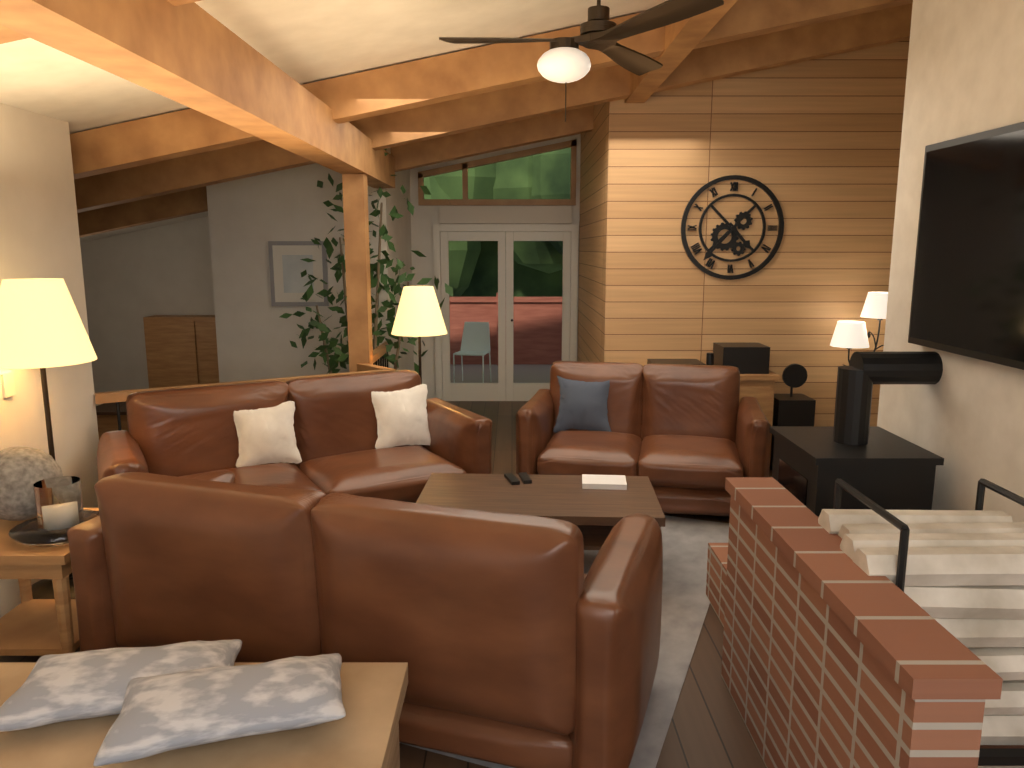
4:37
